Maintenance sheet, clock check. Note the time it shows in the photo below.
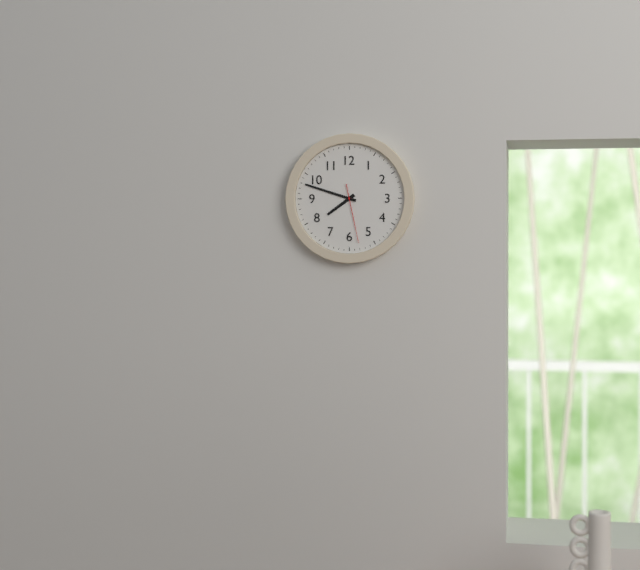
7:48:28
